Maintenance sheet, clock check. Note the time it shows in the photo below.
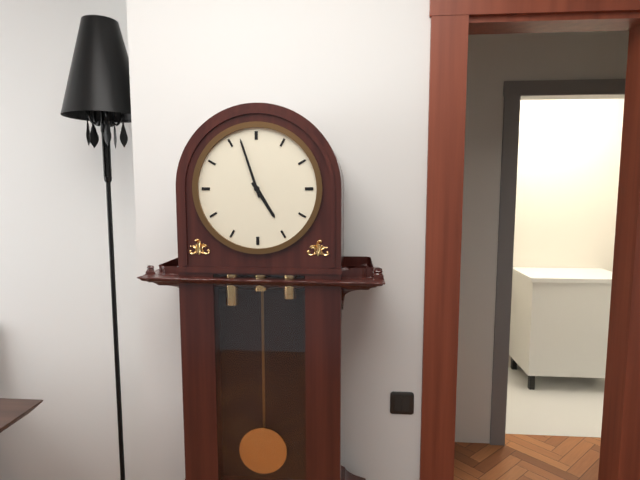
4:57
